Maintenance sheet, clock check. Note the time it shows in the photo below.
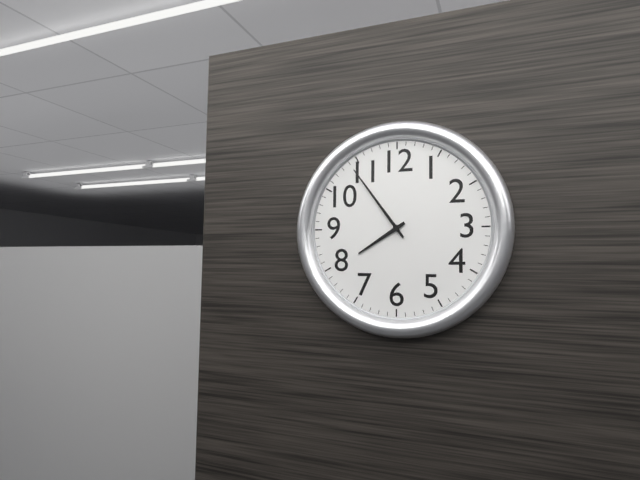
7:54
